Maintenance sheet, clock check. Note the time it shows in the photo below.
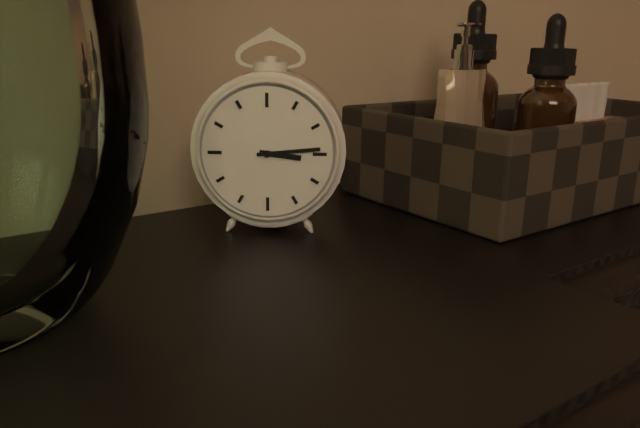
3:14
